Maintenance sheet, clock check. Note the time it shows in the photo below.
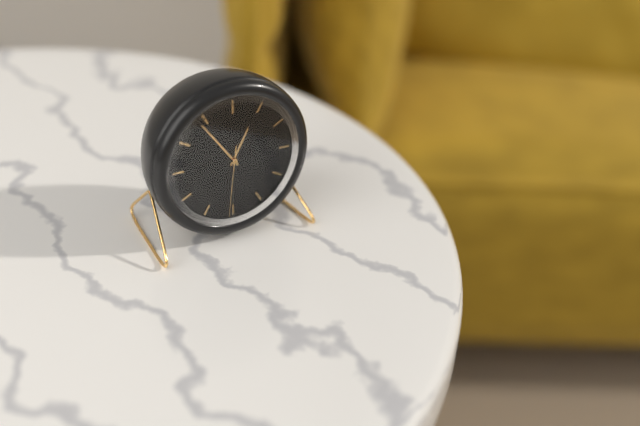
12:54:31
